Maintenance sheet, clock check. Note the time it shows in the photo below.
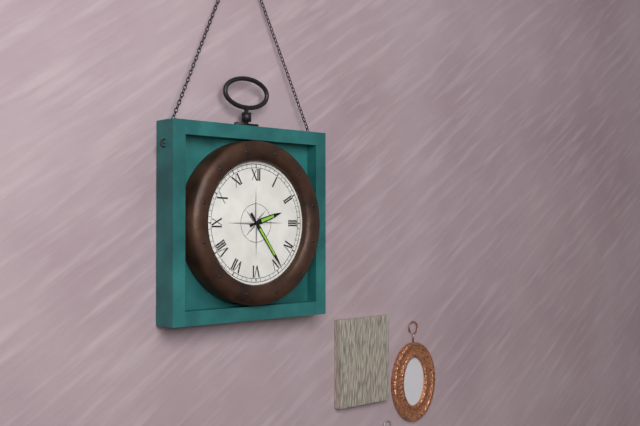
2:24
